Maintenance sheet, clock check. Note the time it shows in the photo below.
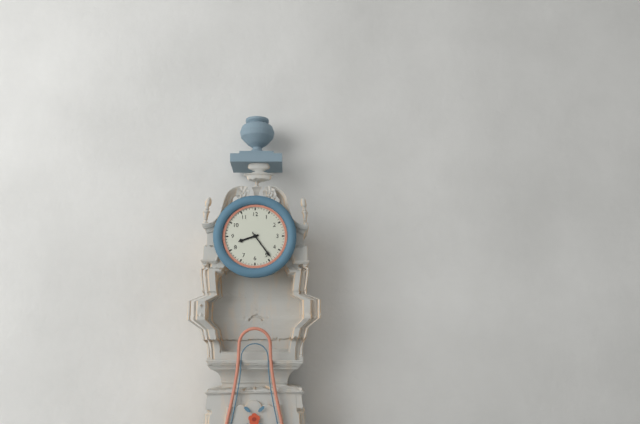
8:24
